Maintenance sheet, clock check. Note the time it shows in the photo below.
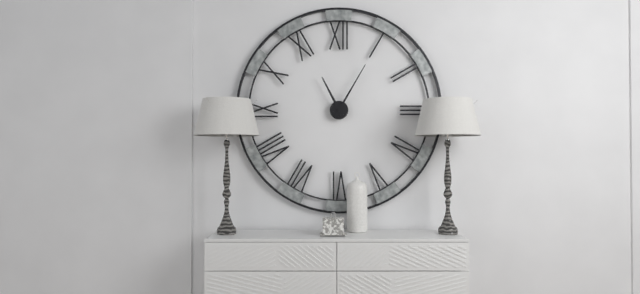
11:05
